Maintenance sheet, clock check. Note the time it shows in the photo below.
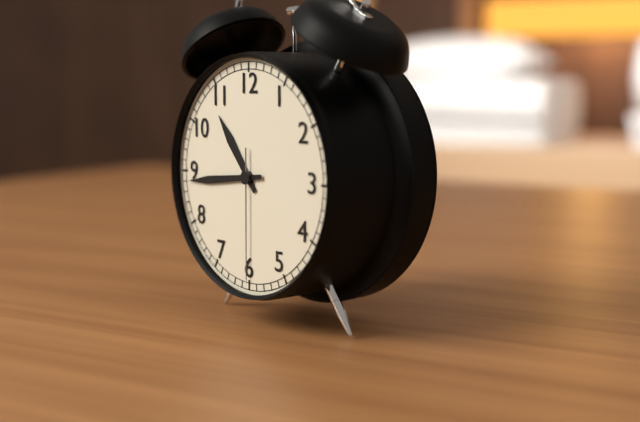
10:44:30
